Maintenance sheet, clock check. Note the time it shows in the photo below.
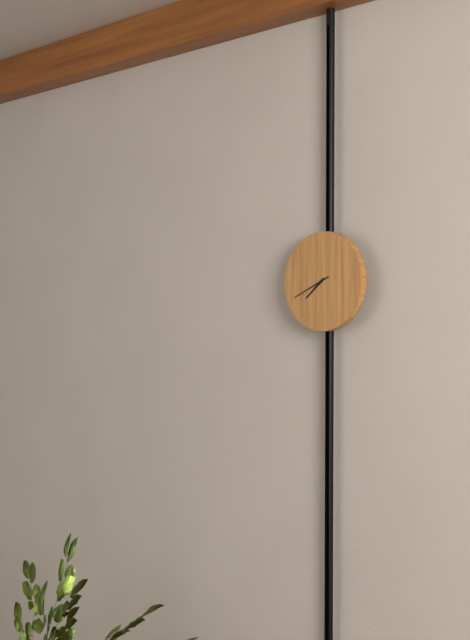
7:41
